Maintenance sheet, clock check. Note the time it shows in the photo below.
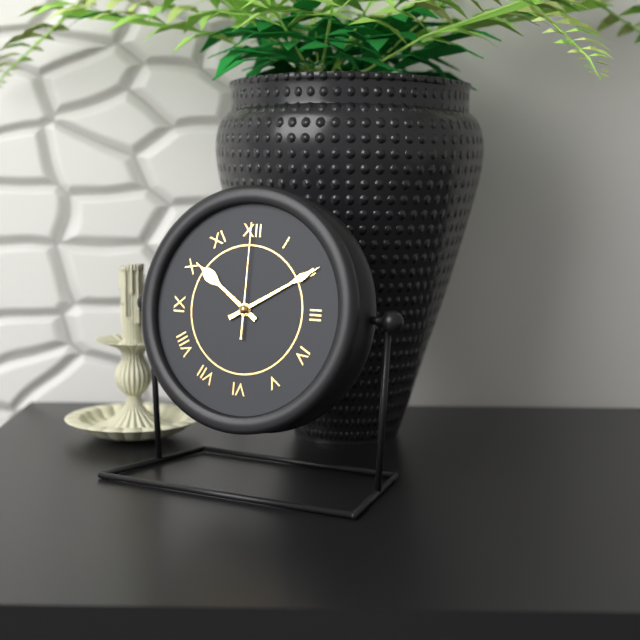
10:10:00
